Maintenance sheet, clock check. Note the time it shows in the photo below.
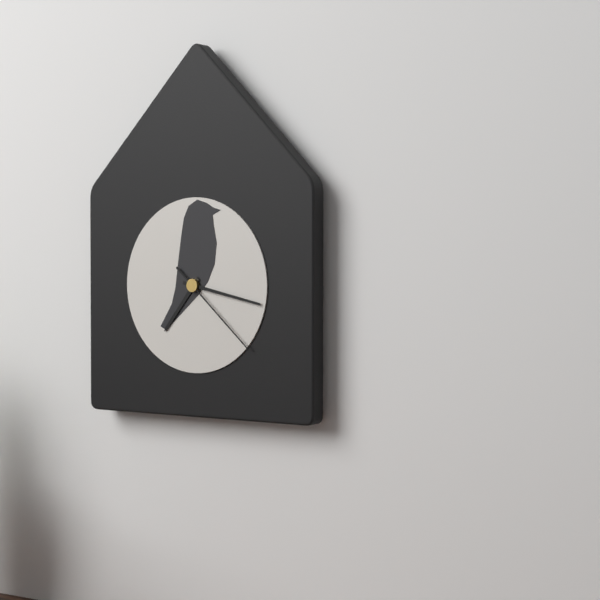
7:17:22
